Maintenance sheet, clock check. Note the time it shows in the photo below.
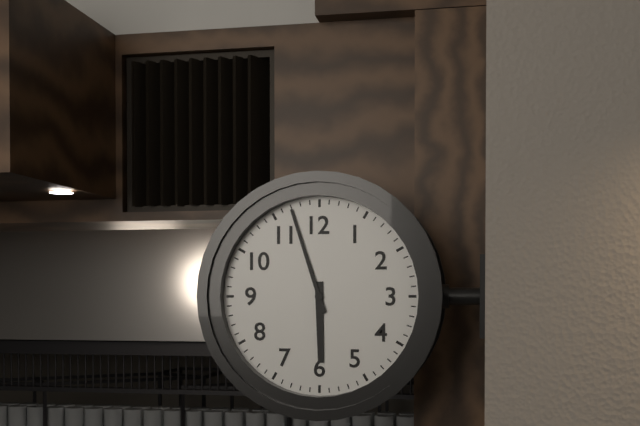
5:57
